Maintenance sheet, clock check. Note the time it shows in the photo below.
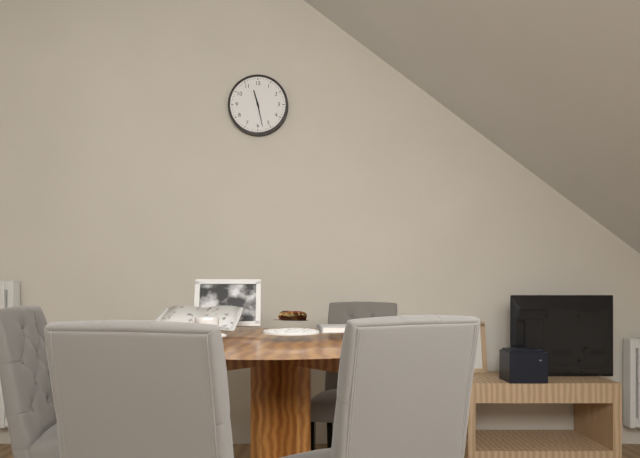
11:28
